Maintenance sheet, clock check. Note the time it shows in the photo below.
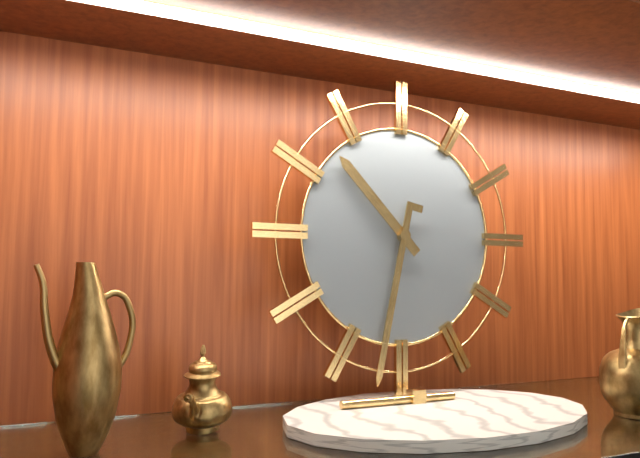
10:32
